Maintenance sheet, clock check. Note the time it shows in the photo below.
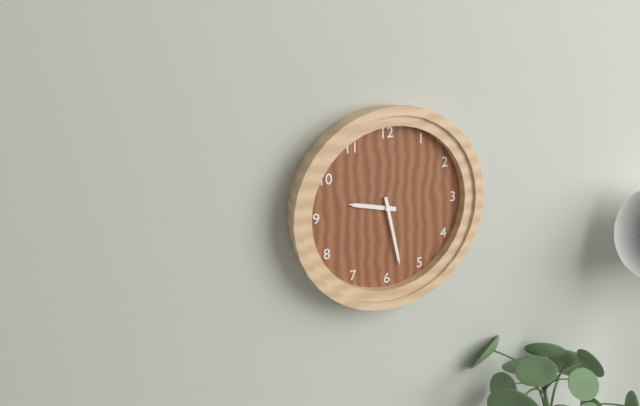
9:28
